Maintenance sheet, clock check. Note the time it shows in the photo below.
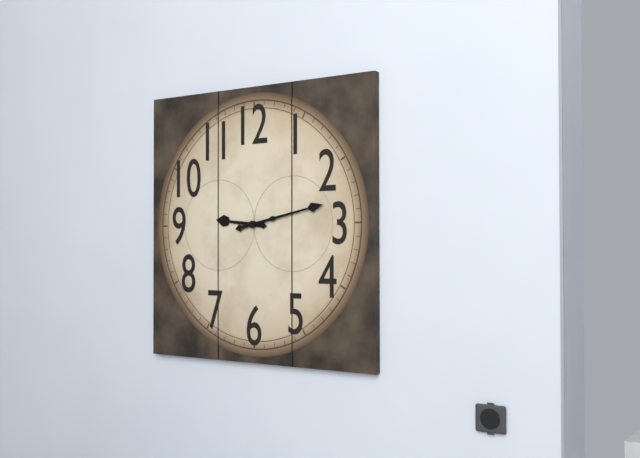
9:13
